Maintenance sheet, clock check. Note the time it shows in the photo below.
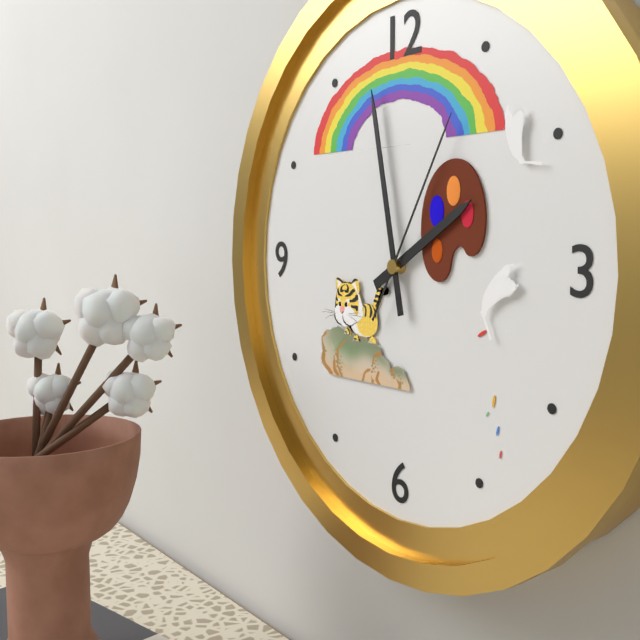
1:58:05
